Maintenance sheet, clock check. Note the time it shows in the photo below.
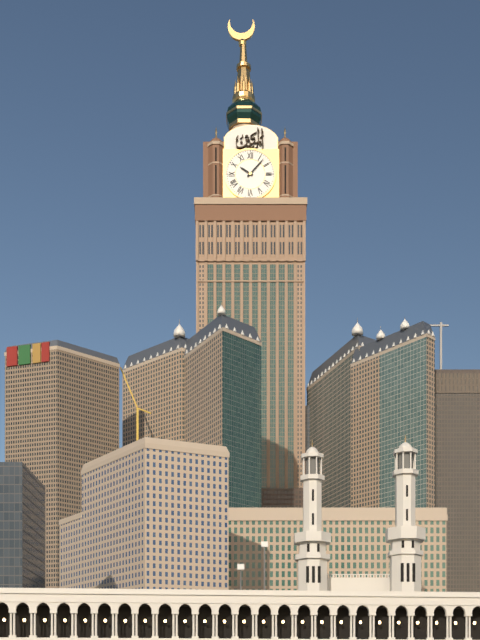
10:07
